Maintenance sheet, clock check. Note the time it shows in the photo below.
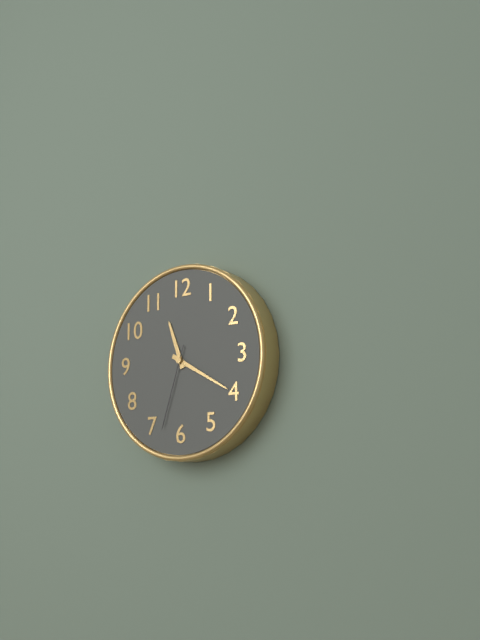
11:20:33
